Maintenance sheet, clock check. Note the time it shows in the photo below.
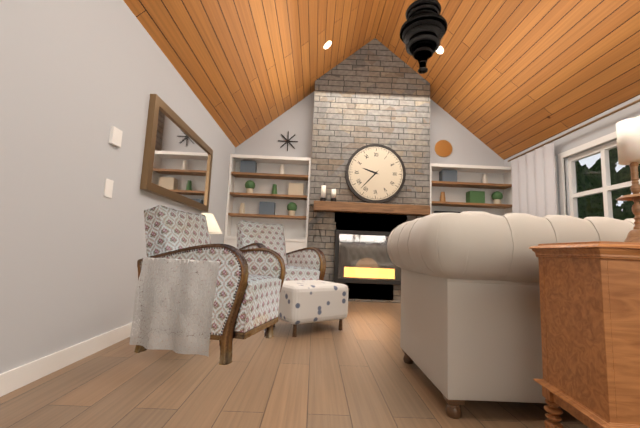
9:37
